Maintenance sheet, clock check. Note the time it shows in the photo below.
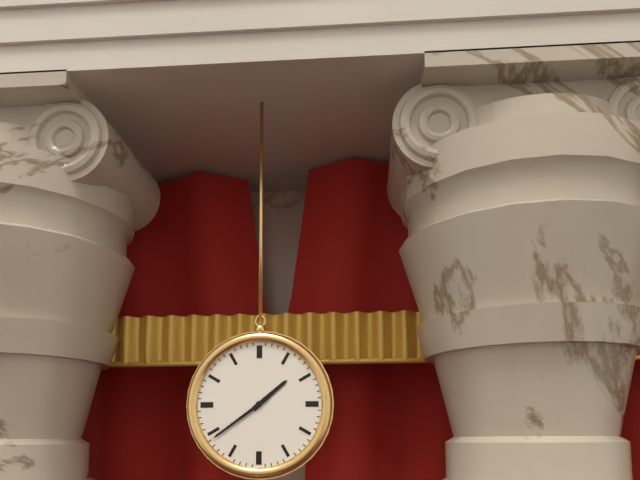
1:39
